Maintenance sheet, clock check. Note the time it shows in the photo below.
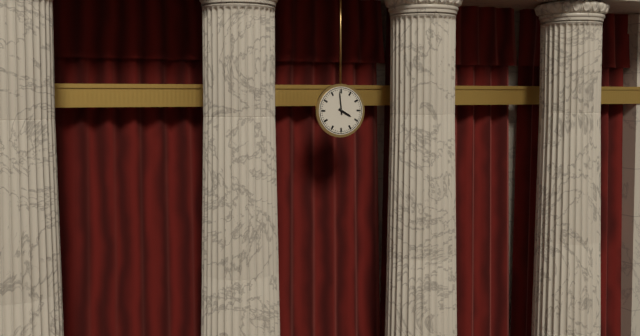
3:59
